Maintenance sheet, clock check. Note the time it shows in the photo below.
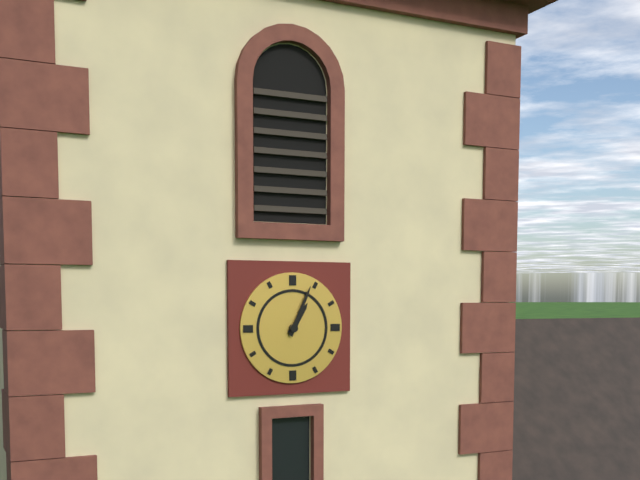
1:04
